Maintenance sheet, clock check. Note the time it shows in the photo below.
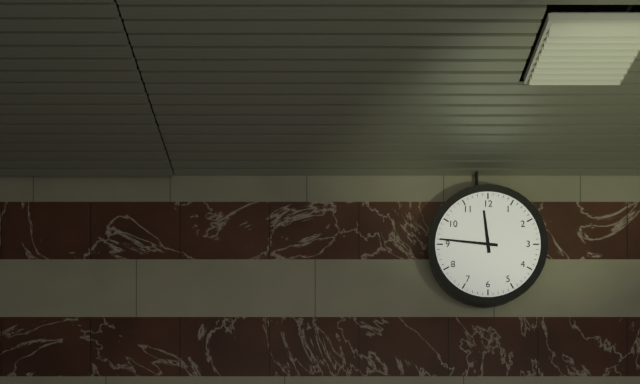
11:46
